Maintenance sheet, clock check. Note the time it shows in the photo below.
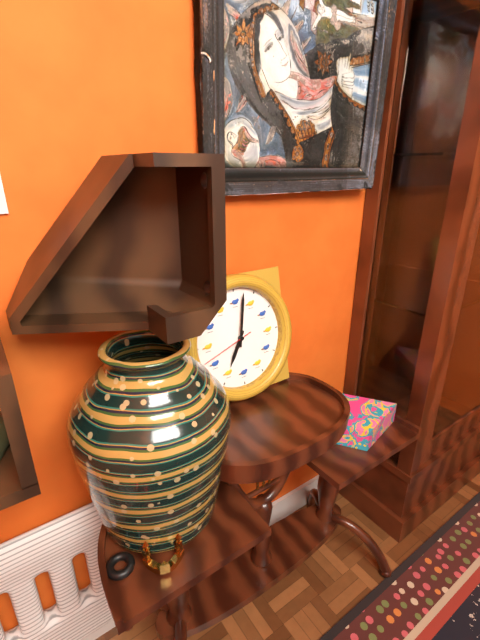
7:02:42
